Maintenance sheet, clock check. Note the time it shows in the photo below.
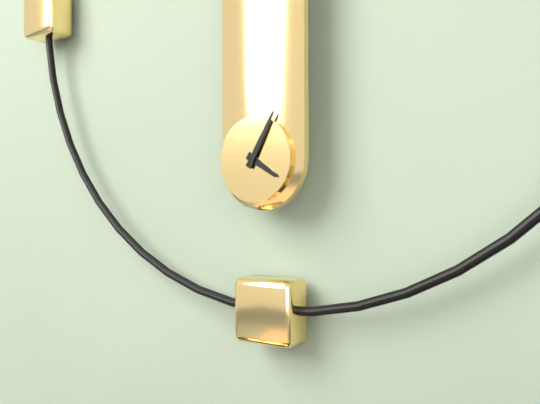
4:05
